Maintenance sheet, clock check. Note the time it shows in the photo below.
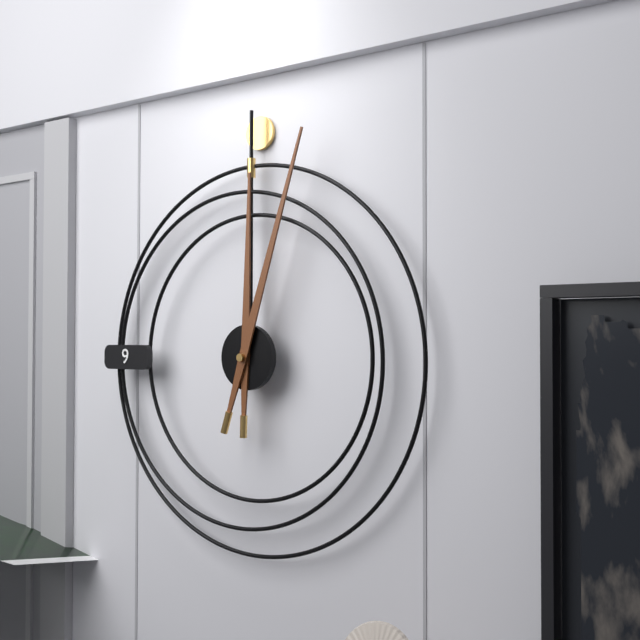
12:03
